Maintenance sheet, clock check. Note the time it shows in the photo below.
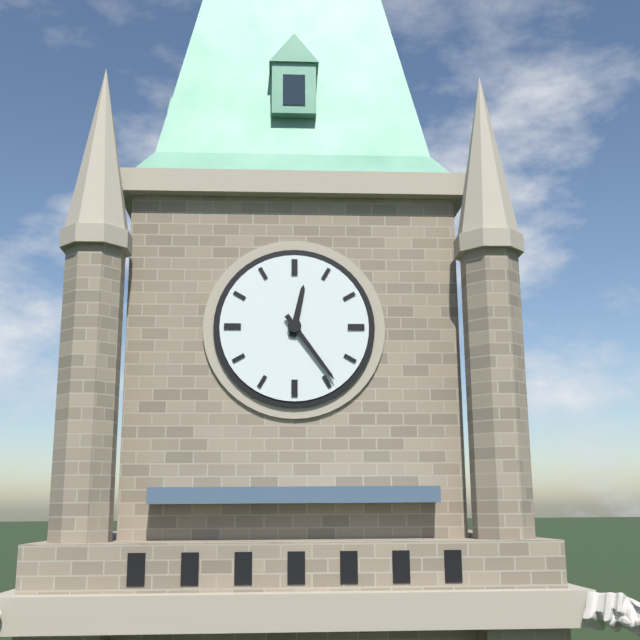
12:24
